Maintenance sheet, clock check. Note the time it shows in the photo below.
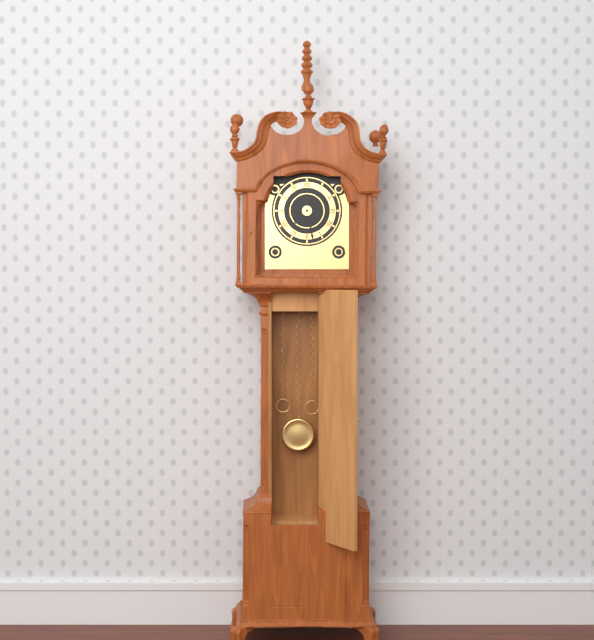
7:28
